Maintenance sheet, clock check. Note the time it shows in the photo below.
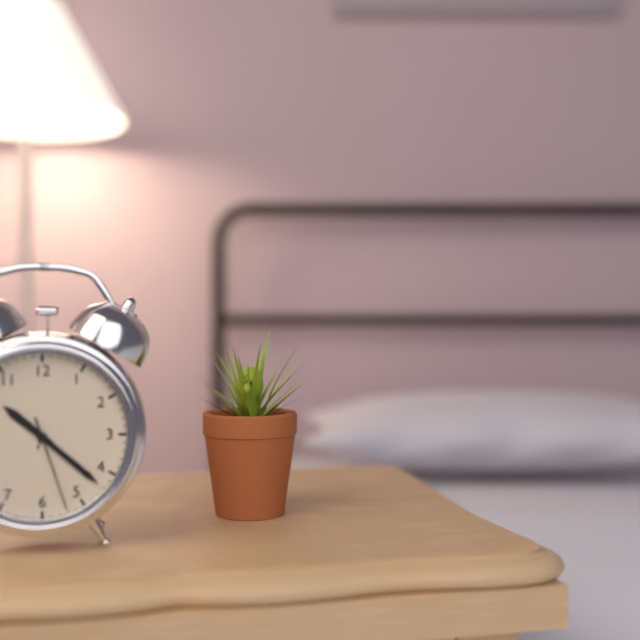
10:22:27
